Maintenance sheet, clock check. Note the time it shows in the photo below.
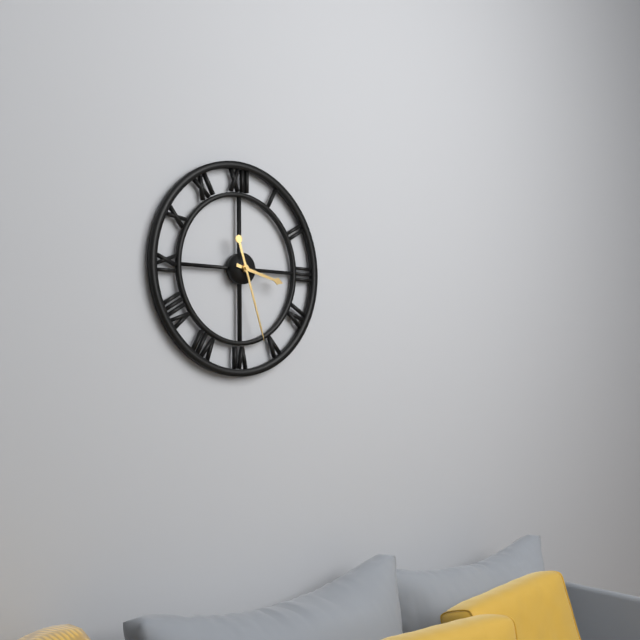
3:27
